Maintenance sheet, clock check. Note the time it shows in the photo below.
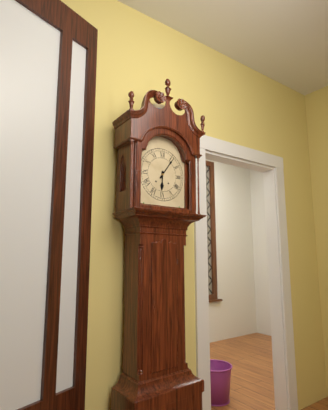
6:06
